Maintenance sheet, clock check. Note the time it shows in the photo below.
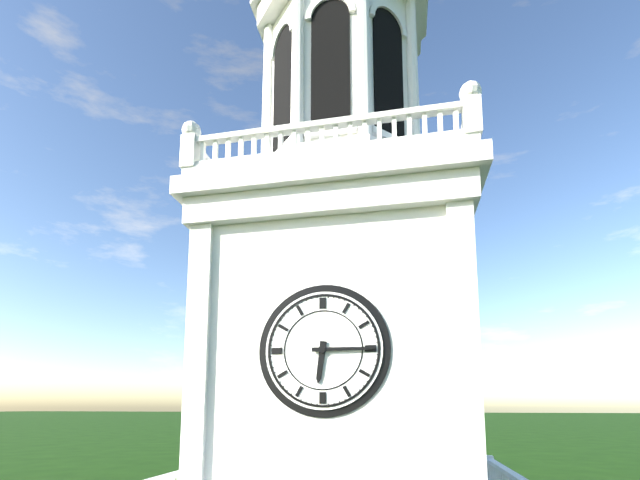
6:15
